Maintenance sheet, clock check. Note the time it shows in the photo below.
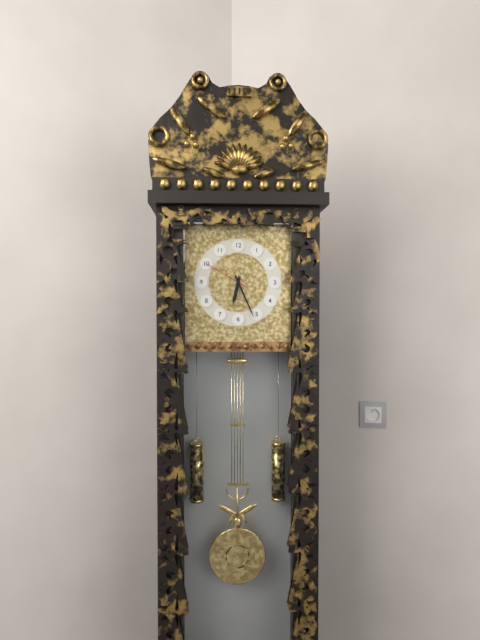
6:26
